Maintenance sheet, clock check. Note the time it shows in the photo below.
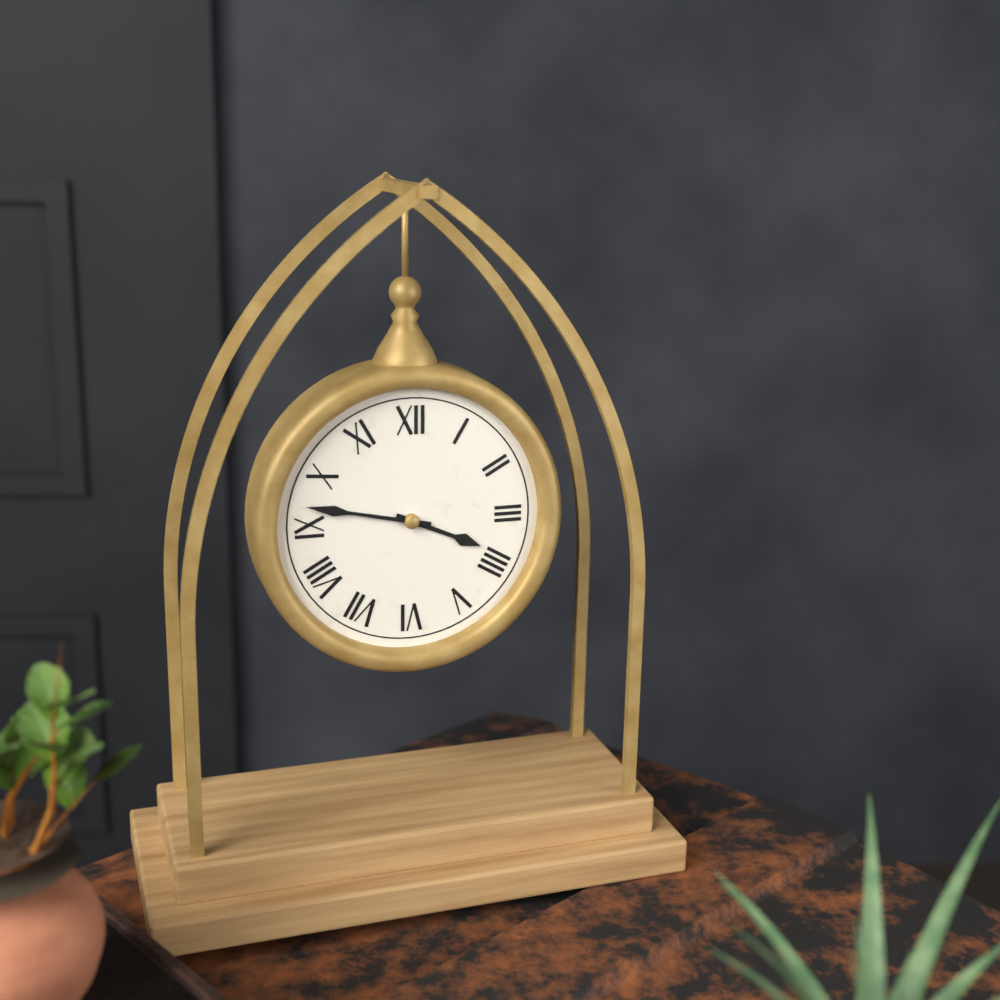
3:47
